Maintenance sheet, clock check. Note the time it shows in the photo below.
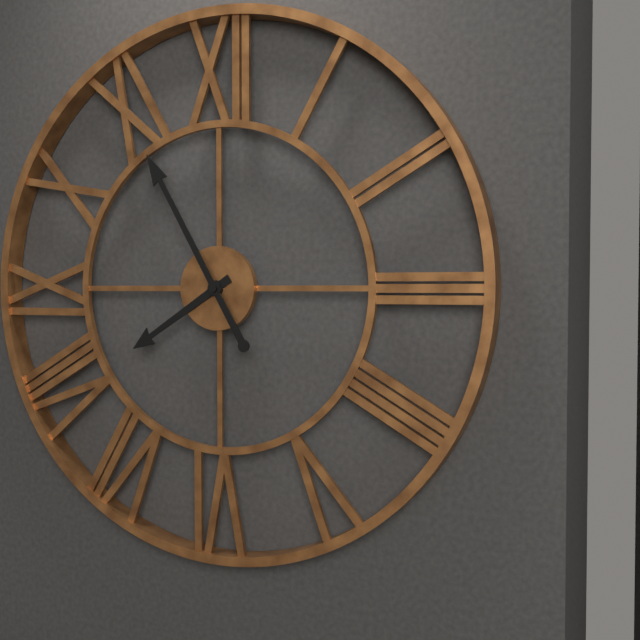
7:55
